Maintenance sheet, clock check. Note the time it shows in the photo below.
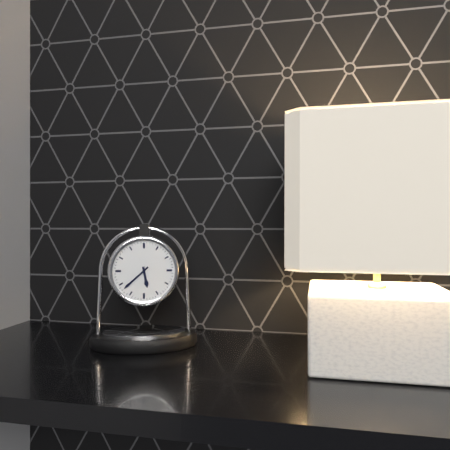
5:38
